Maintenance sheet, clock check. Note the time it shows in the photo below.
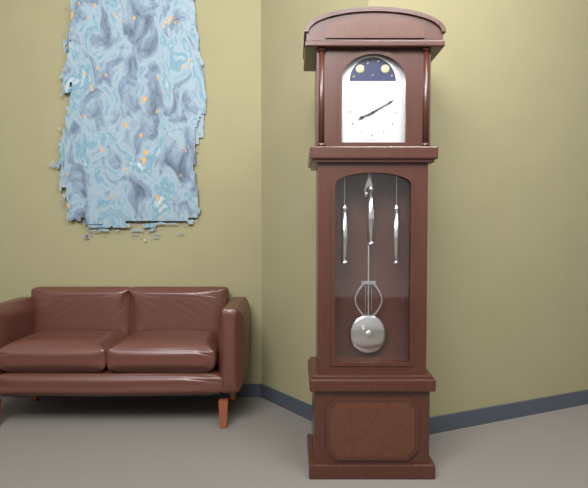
8:10
